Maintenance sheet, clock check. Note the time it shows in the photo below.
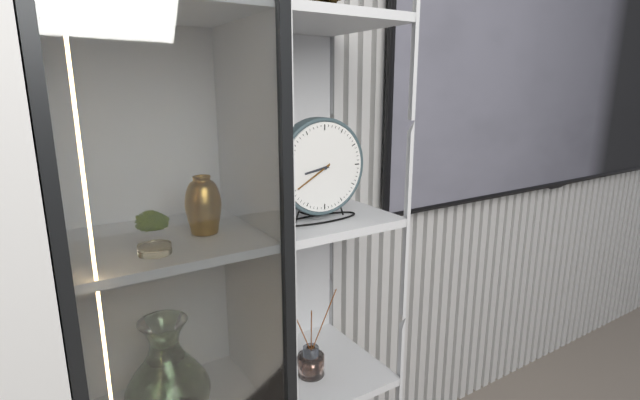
8:40
